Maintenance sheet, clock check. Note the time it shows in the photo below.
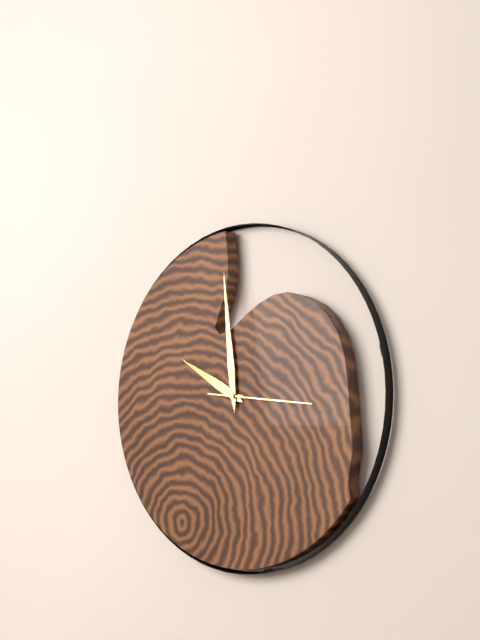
9:59:16
